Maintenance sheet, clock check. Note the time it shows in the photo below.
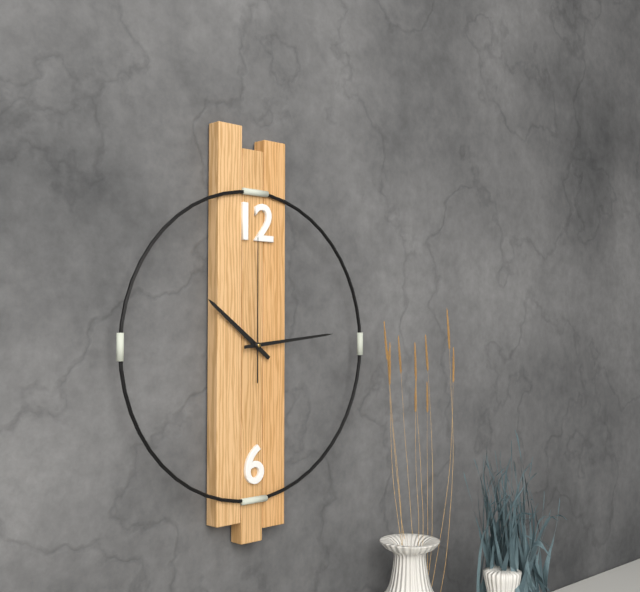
10:14:00
